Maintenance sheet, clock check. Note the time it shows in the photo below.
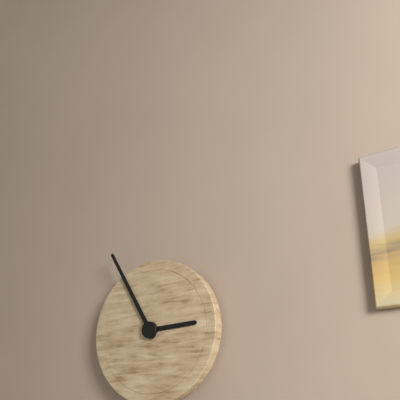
2:55
